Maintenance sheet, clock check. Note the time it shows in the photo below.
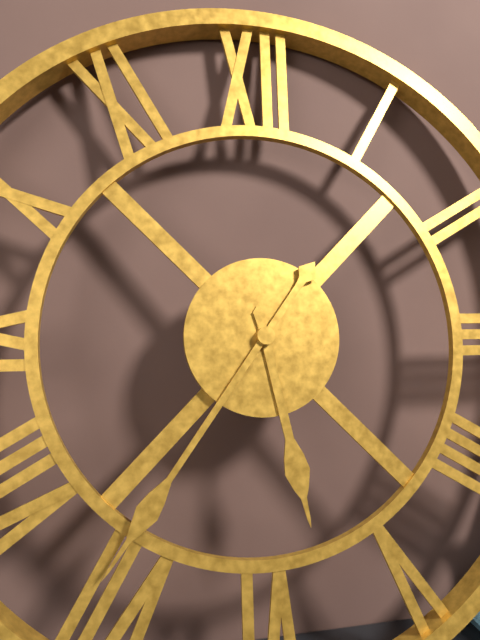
5:36
